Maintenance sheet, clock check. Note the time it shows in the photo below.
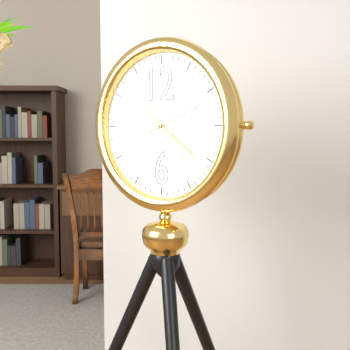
10:21:11
